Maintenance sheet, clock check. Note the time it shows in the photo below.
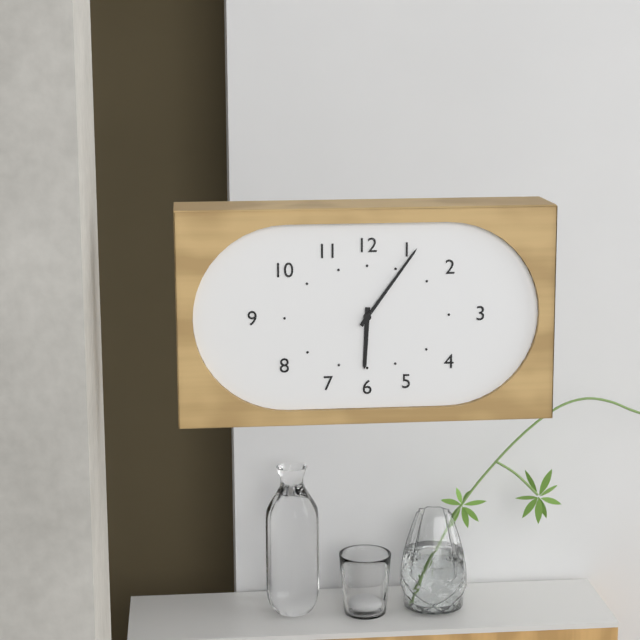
6:06
